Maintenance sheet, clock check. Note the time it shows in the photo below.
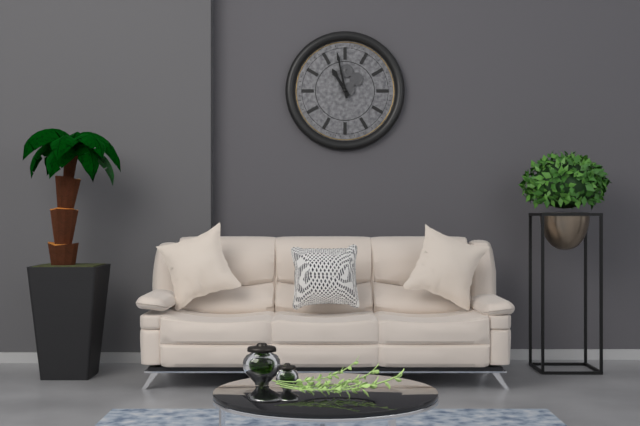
10:58
